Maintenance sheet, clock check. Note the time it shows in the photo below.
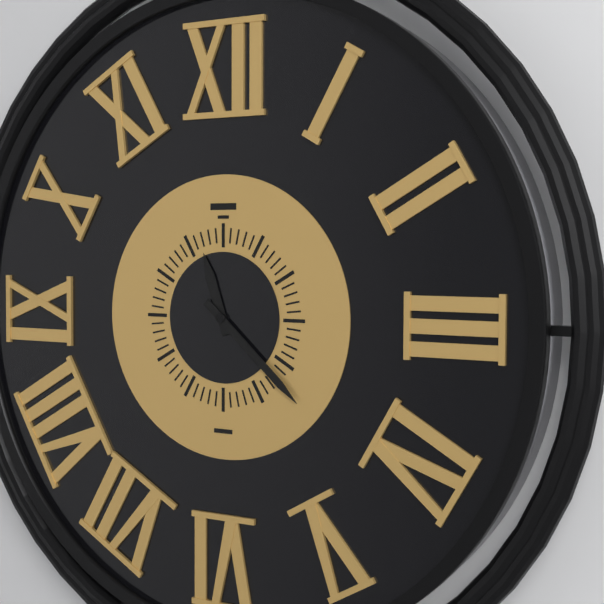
11:22
